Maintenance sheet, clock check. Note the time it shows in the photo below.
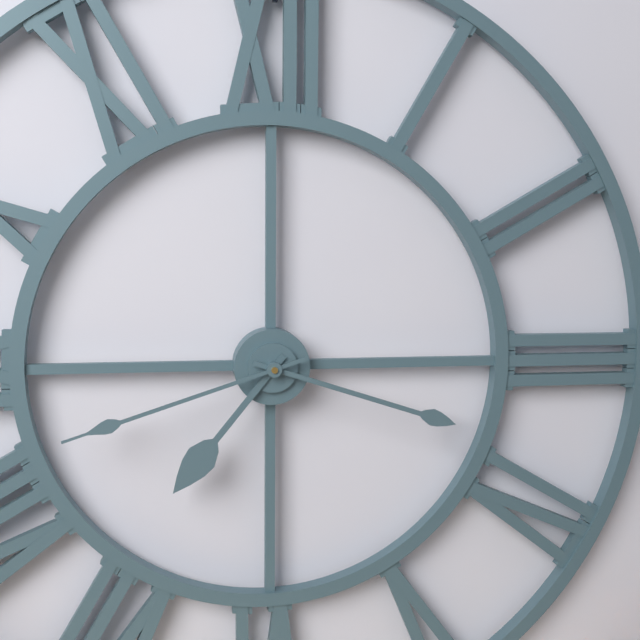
7:18:42
